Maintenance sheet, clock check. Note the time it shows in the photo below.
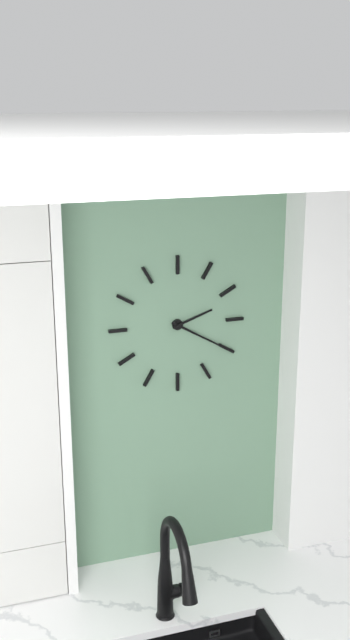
2:20
